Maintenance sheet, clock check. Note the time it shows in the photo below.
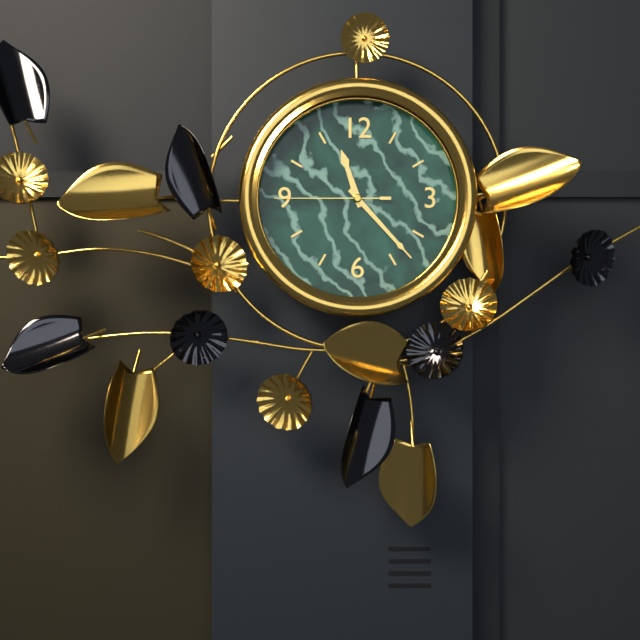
11:23:45
